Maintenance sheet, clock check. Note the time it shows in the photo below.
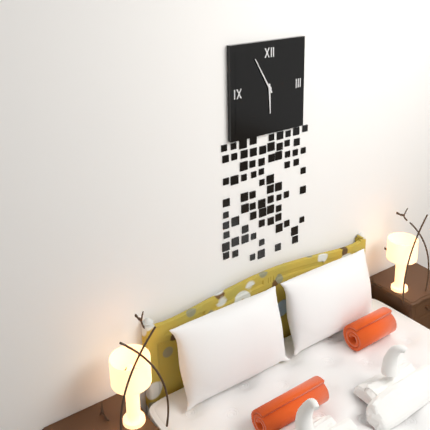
5:55
